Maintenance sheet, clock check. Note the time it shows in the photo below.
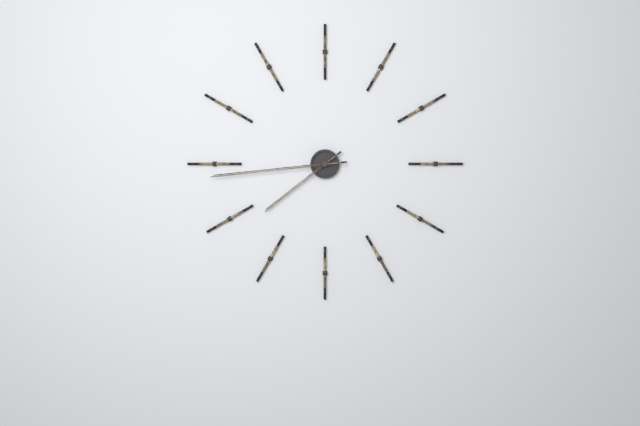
7:44
